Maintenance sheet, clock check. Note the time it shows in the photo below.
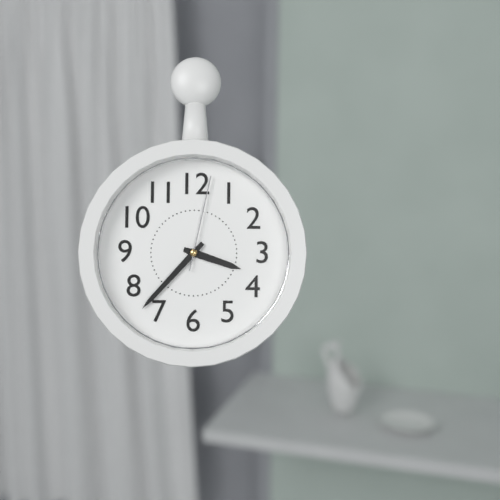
3:37:02
